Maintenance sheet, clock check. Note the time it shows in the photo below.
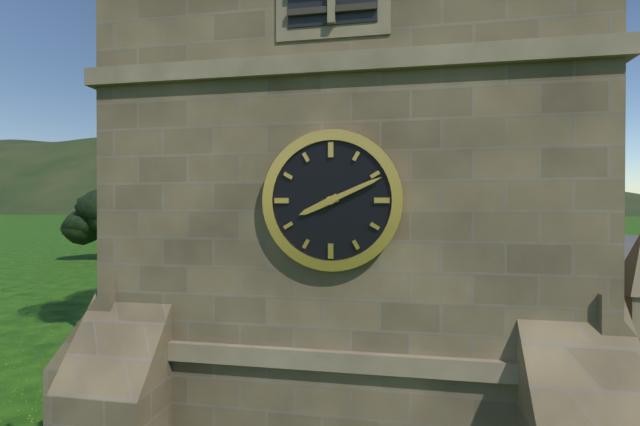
8:11
